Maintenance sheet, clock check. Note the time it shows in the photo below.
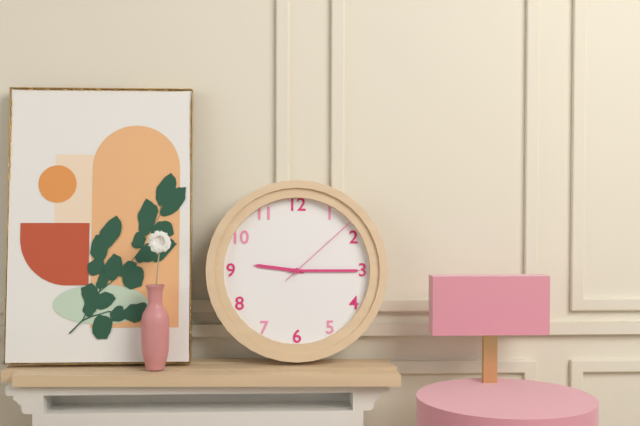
9:15:08
